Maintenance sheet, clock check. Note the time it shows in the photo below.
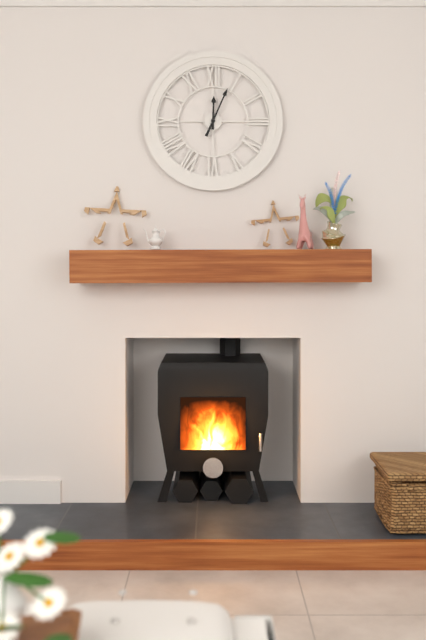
12:04
